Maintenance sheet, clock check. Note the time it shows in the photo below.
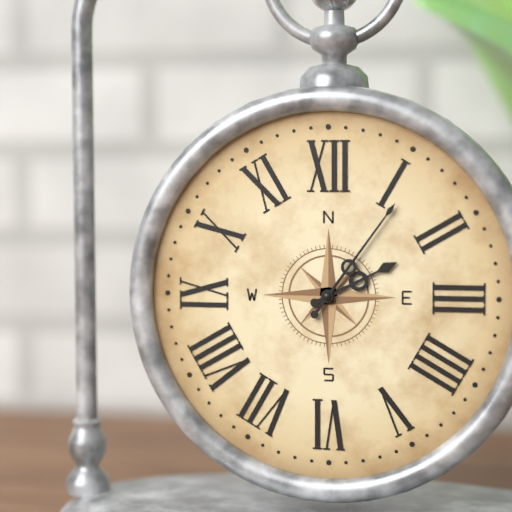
2:06
